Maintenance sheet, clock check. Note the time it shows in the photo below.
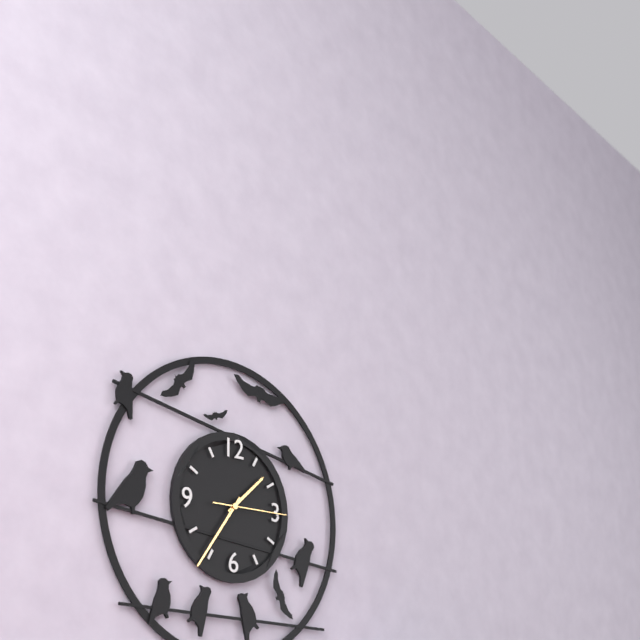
1:36:15
